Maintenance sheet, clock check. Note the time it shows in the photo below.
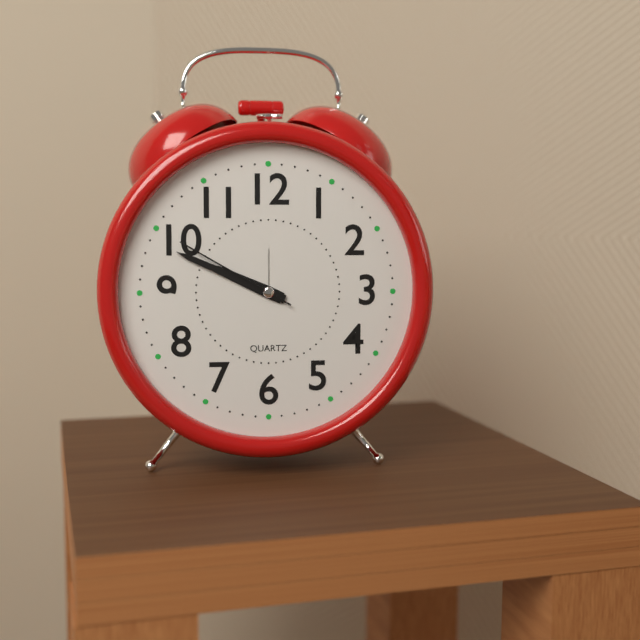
9:49:50
